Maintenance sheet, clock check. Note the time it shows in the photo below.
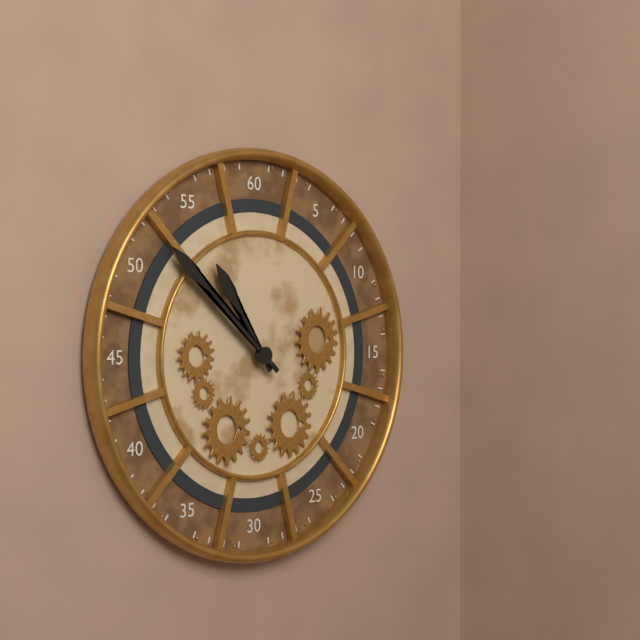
10:52
